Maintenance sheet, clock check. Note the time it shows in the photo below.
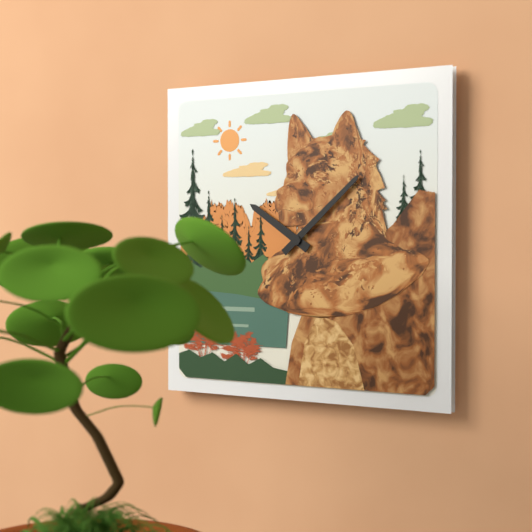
10:08
